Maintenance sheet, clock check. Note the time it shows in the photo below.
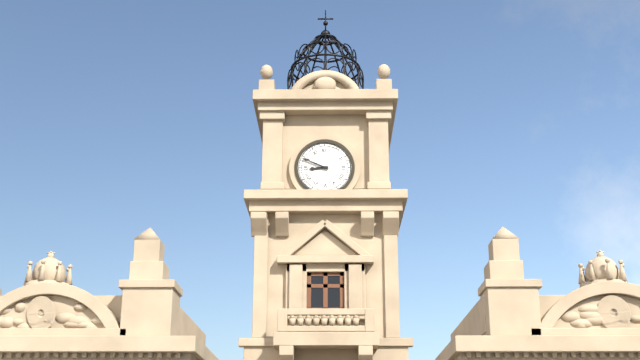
8:49
